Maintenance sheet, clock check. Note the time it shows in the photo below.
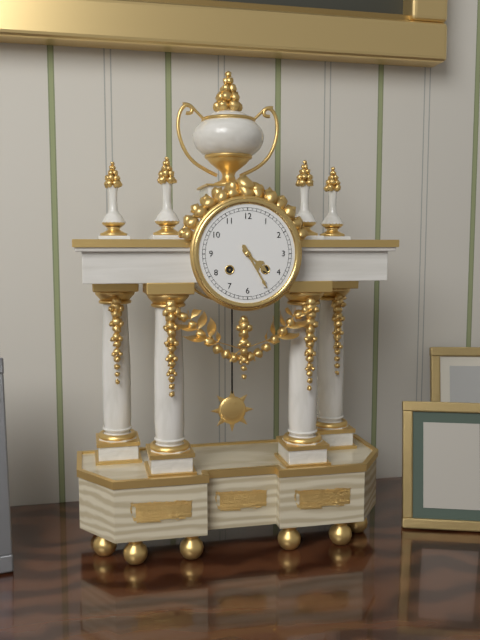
4:25
